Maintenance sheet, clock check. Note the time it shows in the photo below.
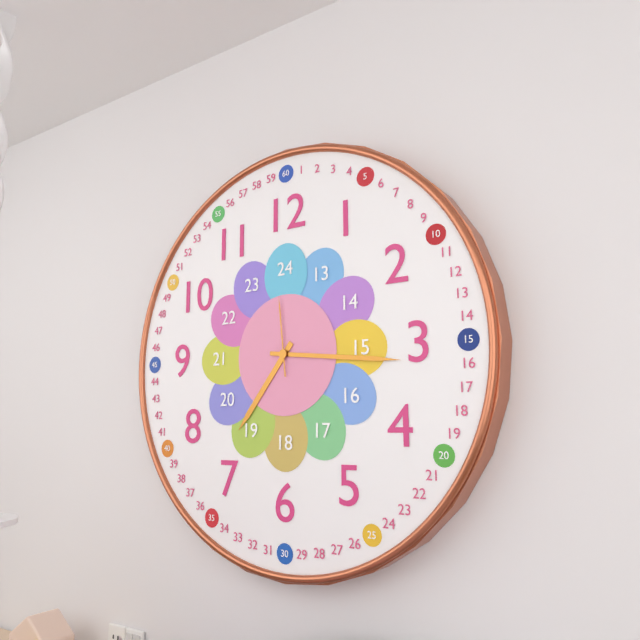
7:16:59
